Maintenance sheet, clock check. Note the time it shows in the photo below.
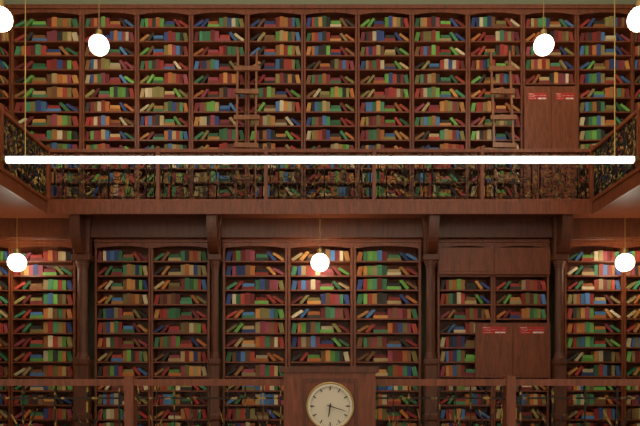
6:18
